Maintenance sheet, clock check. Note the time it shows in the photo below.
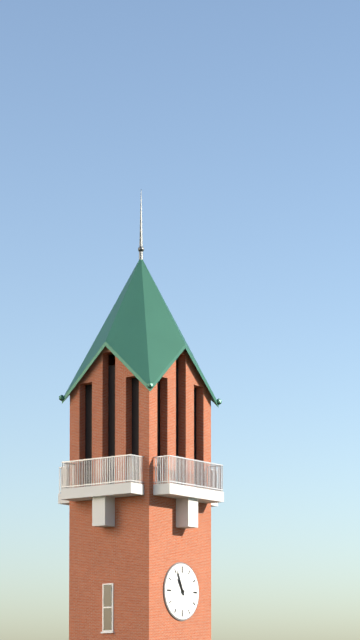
10:56
